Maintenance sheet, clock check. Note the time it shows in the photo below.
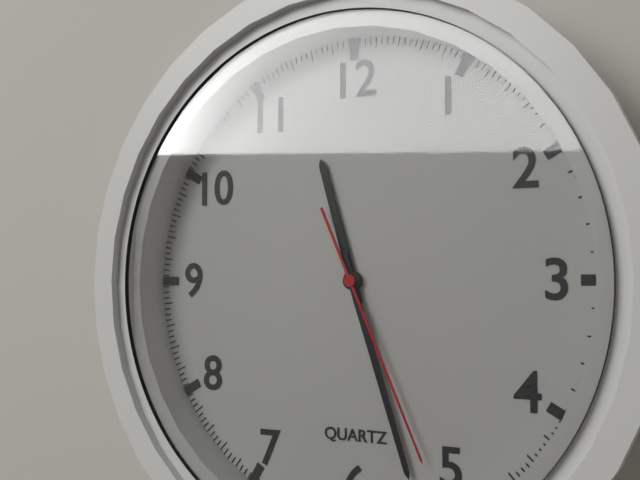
11:27:26
